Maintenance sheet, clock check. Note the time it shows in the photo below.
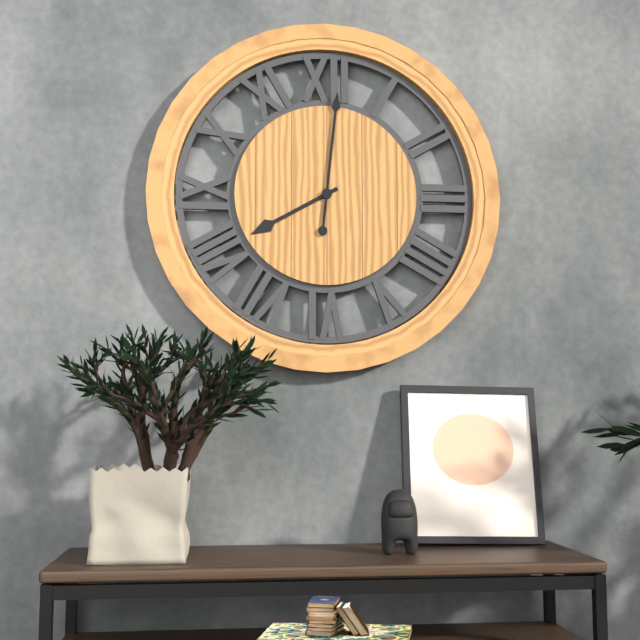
8:01
